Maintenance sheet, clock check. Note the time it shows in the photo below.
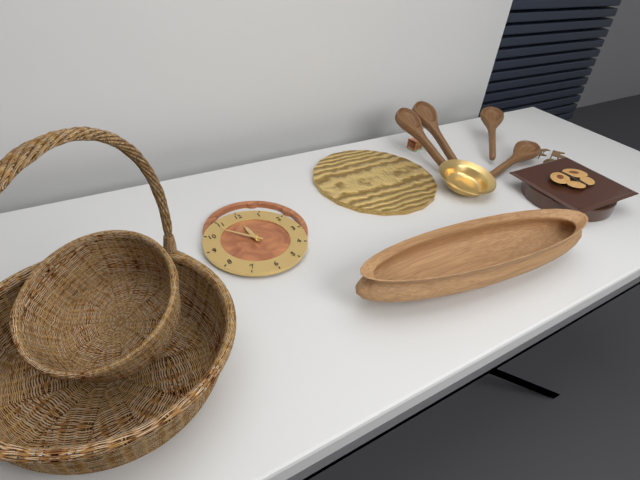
11:53
